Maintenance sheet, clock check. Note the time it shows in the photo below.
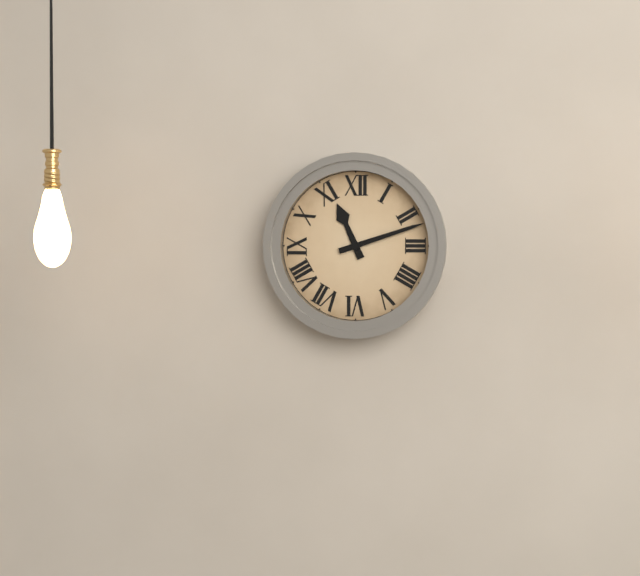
11:12
